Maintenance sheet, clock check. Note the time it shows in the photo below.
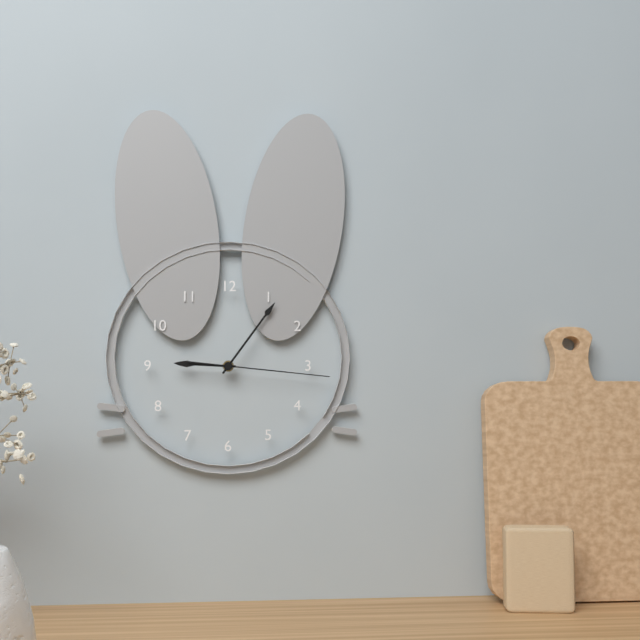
9:06:16
